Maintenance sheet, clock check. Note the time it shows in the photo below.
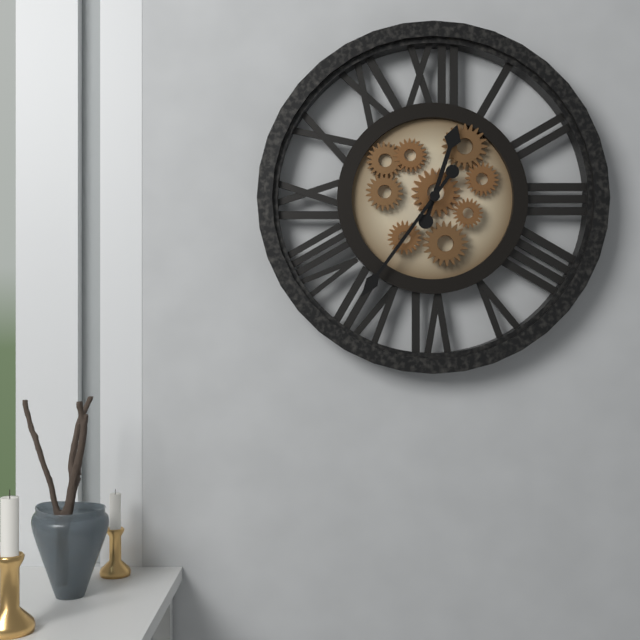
12:36
